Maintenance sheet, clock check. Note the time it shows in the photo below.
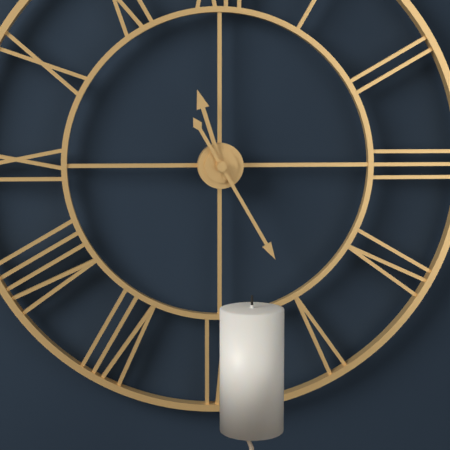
11:25
